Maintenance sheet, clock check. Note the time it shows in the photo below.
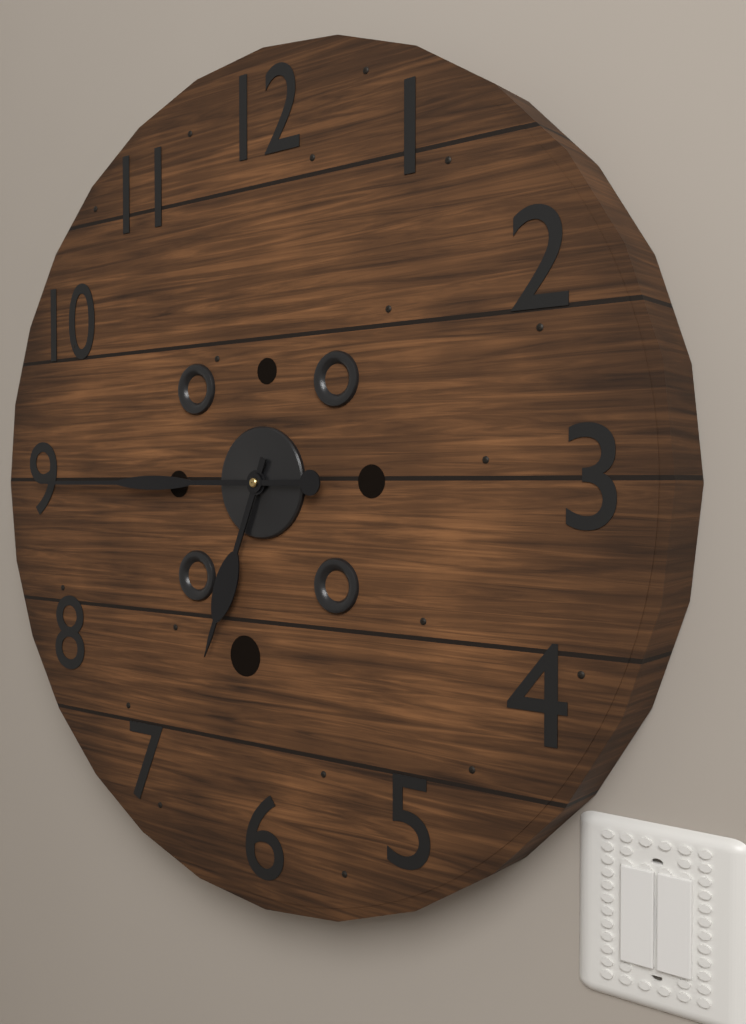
6:45
